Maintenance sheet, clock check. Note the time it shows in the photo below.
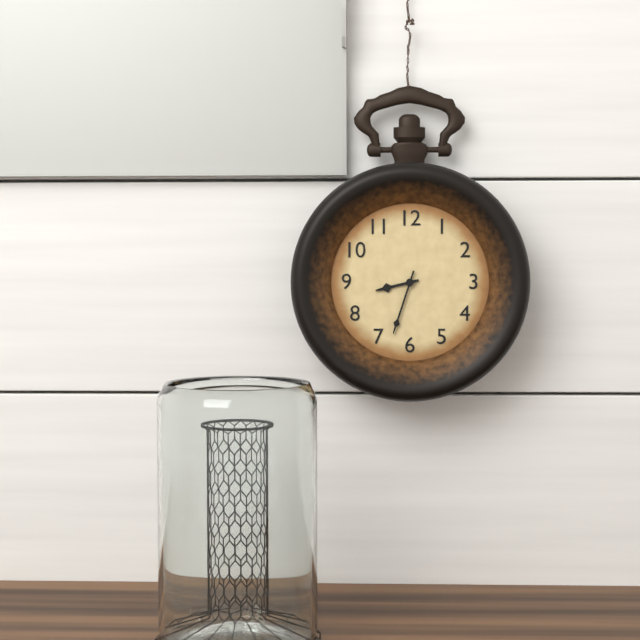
8:33
